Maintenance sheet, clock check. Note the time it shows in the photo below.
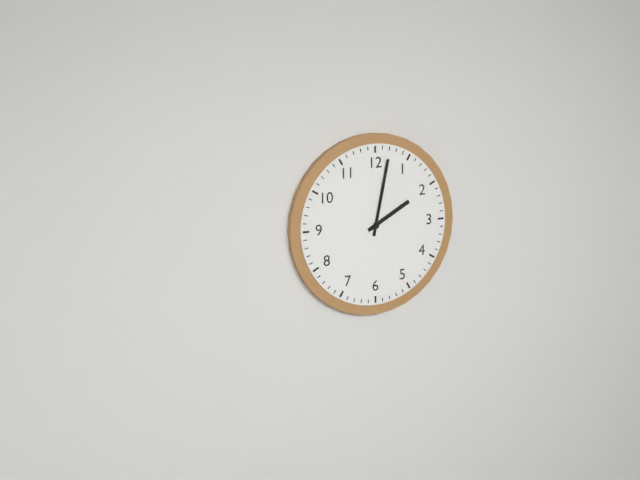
2:02
